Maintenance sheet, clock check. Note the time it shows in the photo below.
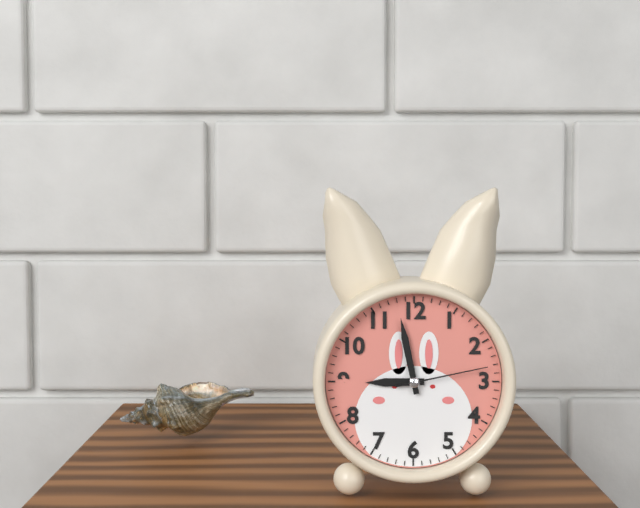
8:58:13
